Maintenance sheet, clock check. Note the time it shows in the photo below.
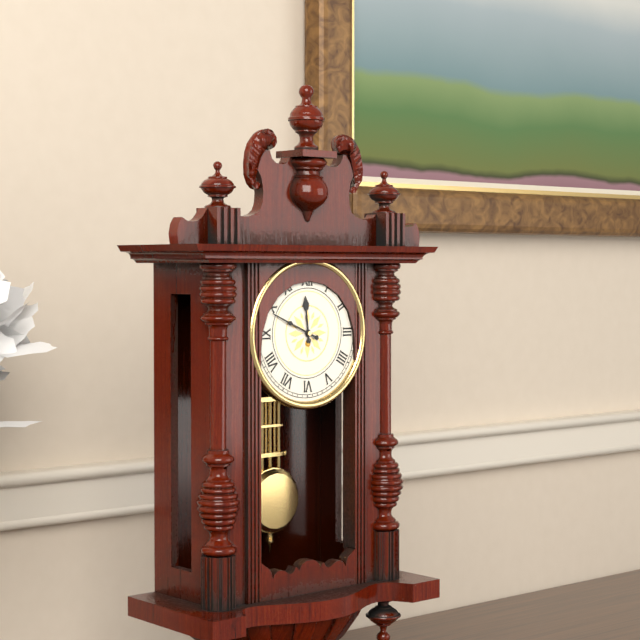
11:49
